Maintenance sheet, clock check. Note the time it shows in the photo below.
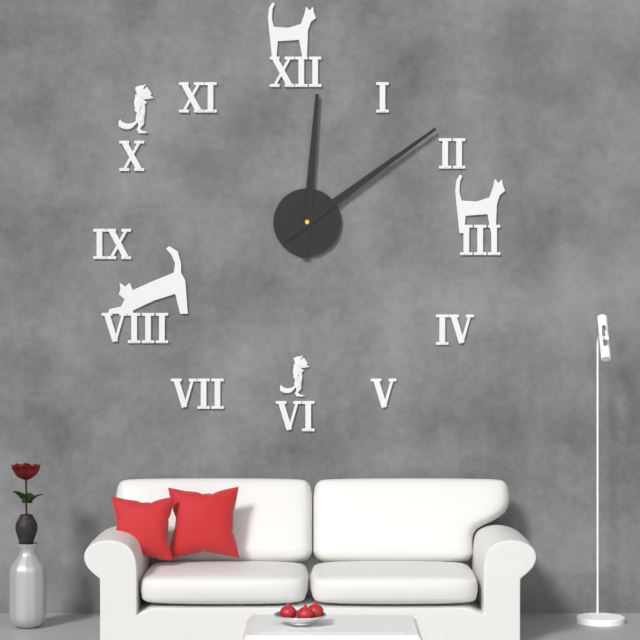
12:09
